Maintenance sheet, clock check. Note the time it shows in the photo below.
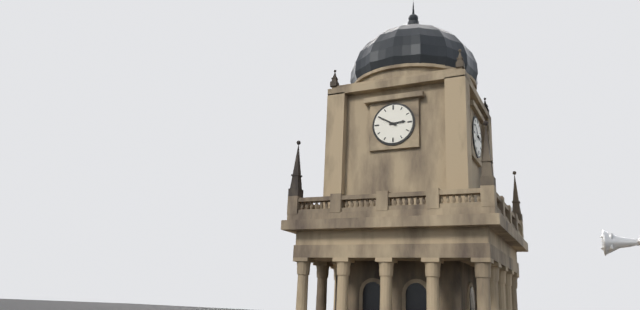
2:50
